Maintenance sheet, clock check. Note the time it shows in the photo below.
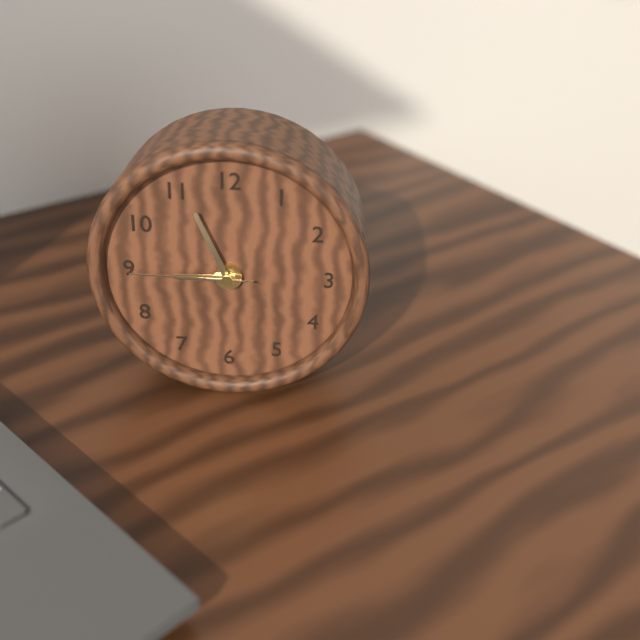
8:56:45
